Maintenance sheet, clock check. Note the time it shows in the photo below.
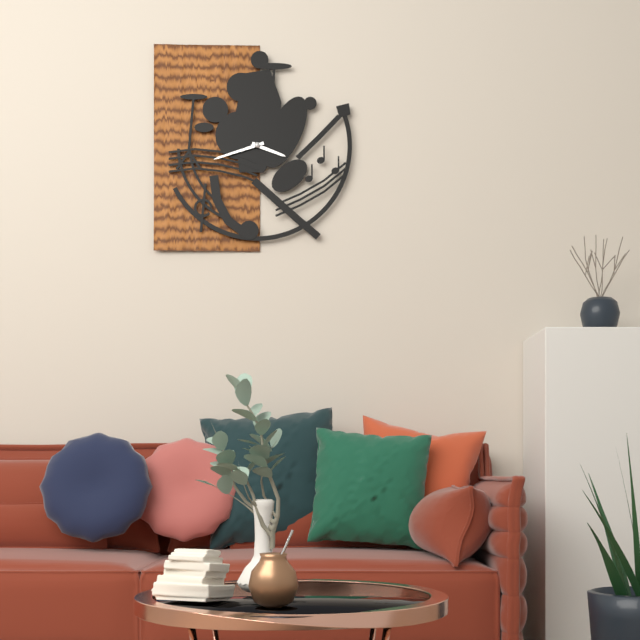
3:42
